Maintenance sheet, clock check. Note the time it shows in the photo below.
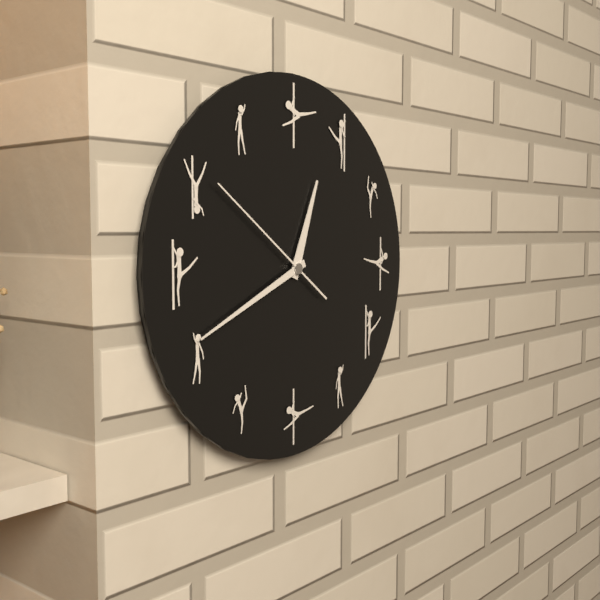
12:41:51
